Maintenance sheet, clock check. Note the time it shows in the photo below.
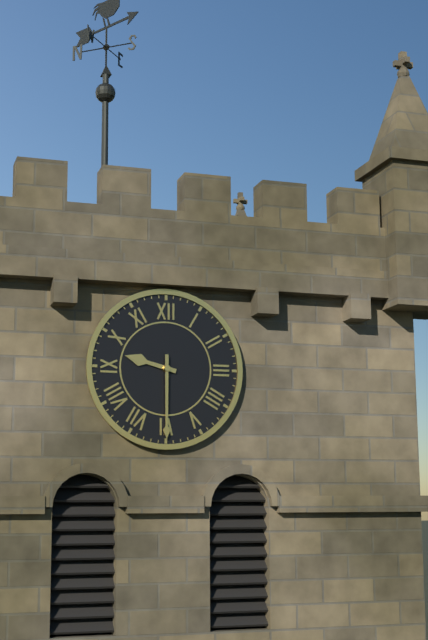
9:30
